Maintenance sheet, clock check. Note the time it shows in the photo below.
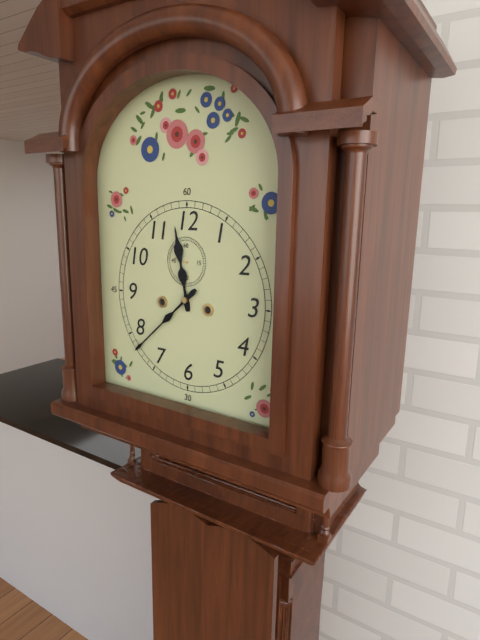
11:38
